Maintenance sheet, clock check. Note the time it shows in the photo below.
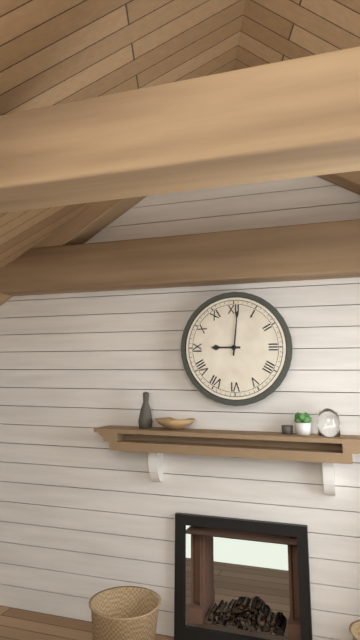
9:01
